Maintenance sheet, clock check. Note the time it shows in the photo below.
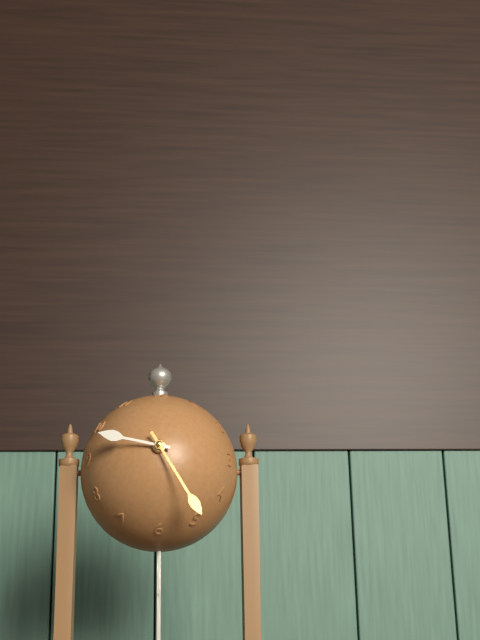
9:25
